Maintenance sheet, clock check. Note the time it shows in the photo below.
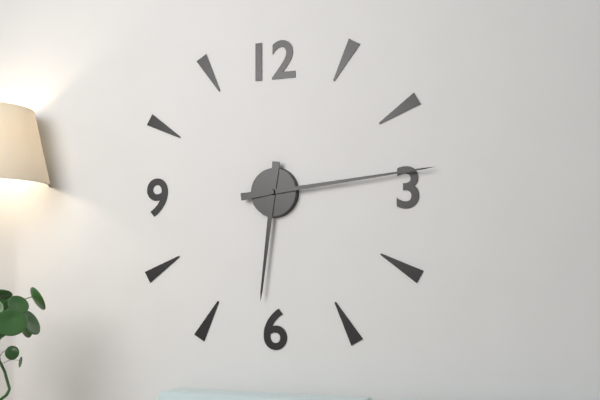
6:14
